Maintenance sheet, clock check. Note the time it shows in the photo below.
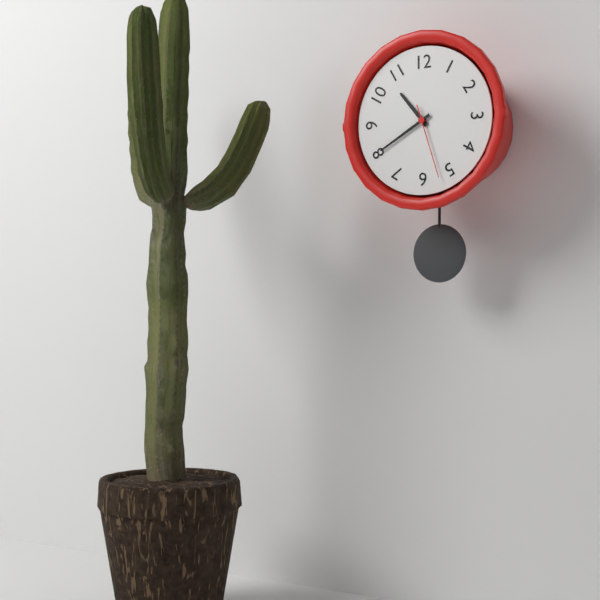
10:40:27
